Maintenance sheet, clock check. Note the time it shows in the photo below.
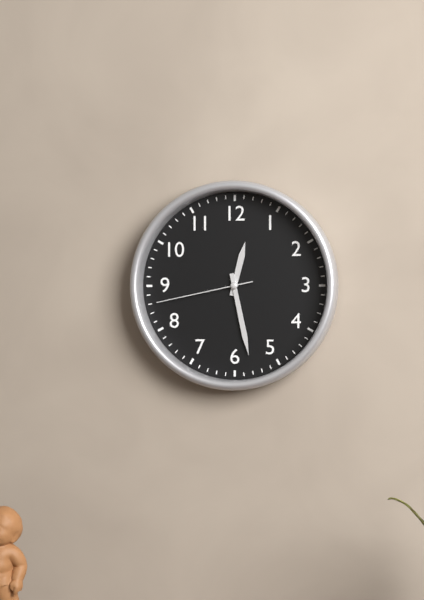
12:28:43
